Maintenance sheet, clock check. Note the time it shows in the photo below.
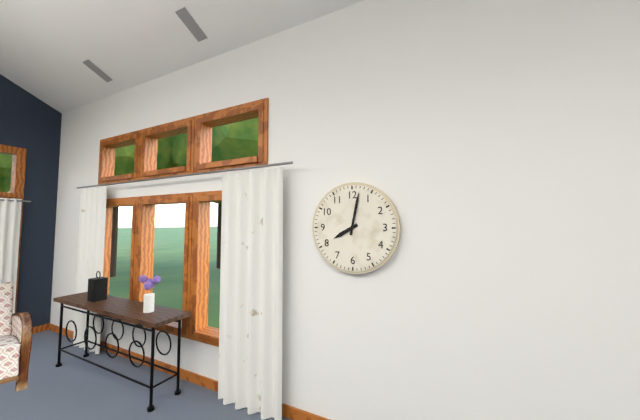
8:02
